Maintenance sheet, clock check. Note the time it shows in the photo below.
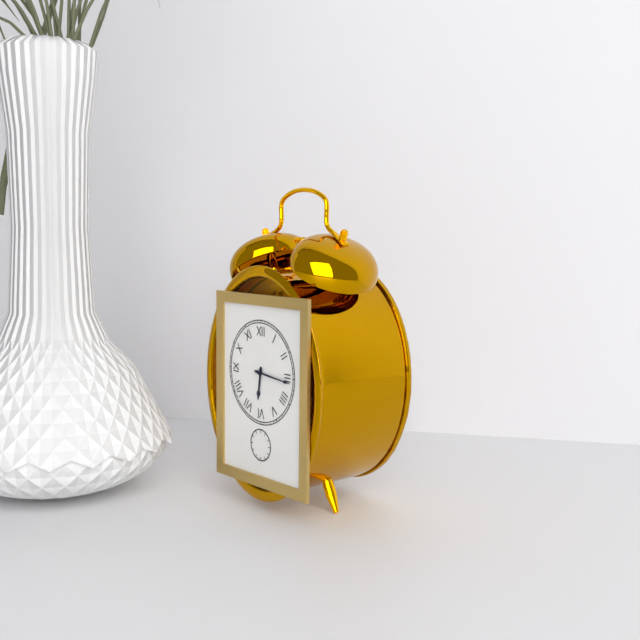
6:16
